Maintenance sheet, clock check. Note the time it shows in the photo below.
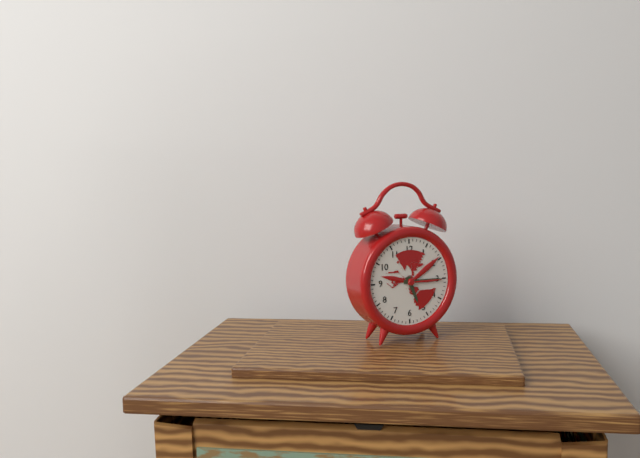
5:15
